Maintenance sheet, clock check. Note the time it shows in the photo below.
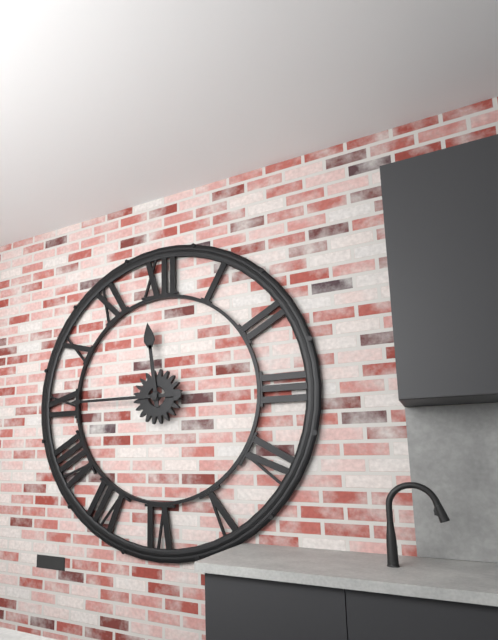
11:45
